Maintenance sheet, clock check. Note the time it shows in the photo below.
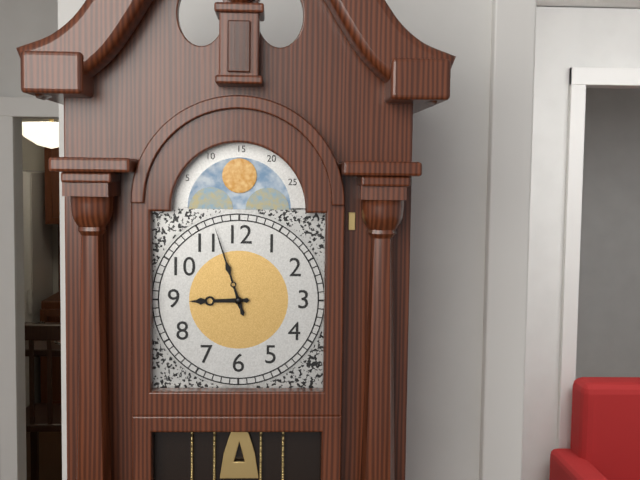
8:57
